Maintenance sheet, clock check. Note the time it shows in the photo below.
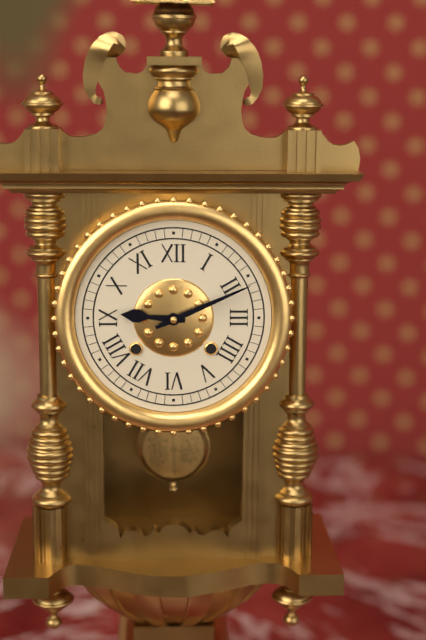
9:11
